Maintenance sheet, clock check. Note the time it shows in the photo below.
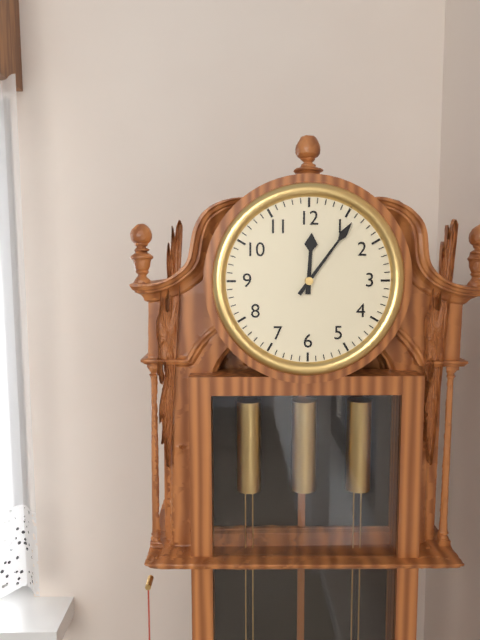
12:06
